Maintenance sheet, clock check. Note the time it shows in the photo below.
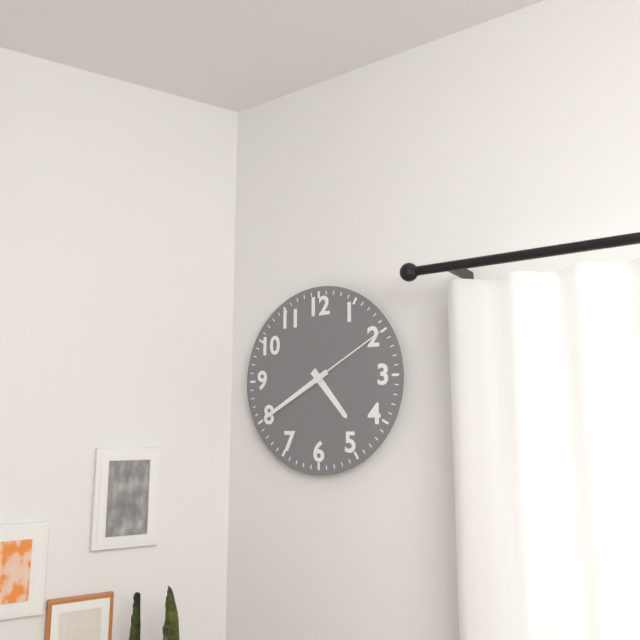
4:40:10
